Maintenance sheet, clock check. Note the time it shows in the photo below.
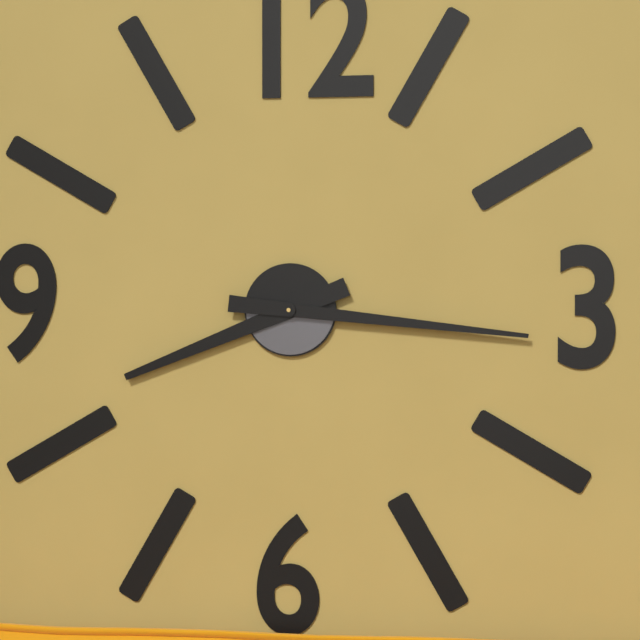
8:16
